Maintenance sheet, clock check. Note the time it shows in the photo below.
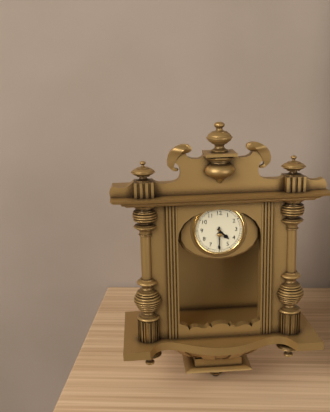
4:30
